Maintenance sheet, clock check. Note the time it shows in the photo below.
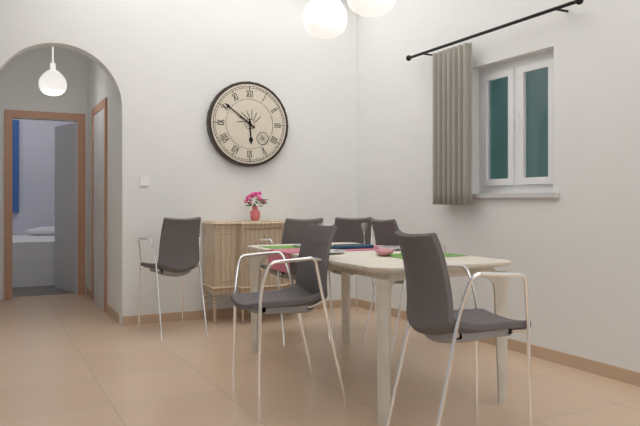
5:51
